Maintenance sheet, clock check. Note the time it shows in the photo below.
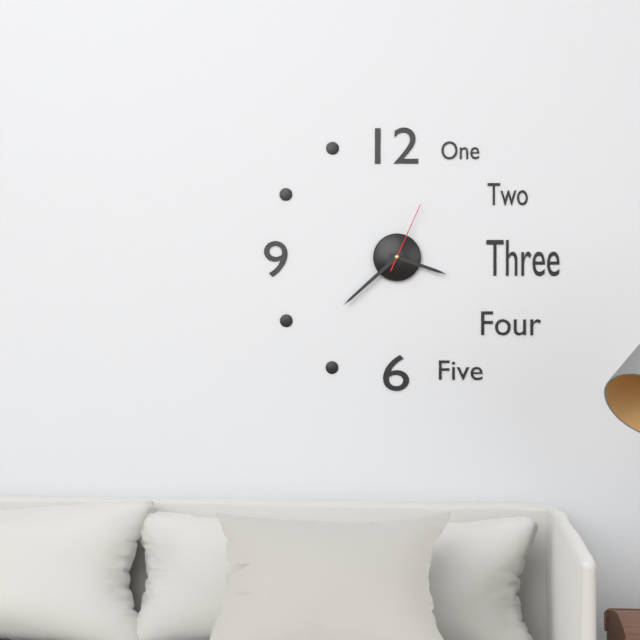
3:38:04
